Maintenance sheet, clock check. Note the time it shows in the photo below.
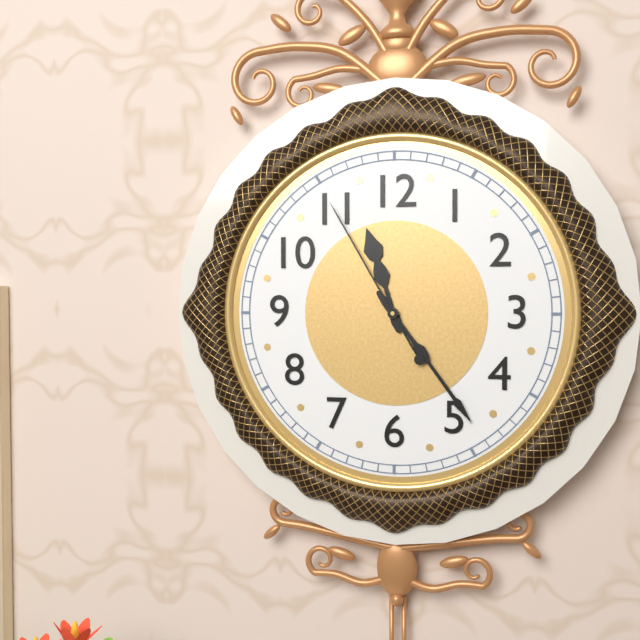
11:24:55
